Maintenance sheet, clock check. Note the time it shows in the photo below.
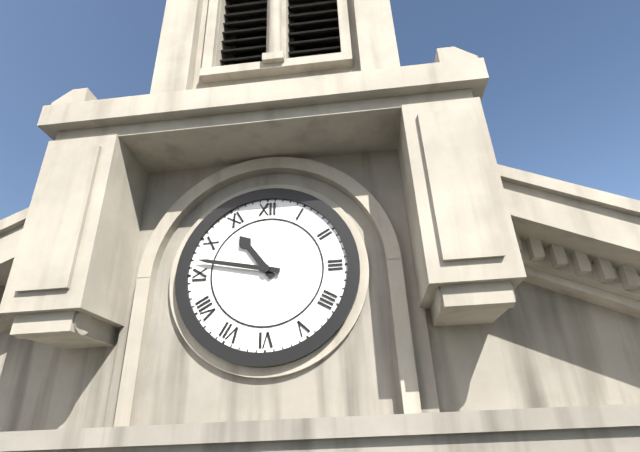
10:47
